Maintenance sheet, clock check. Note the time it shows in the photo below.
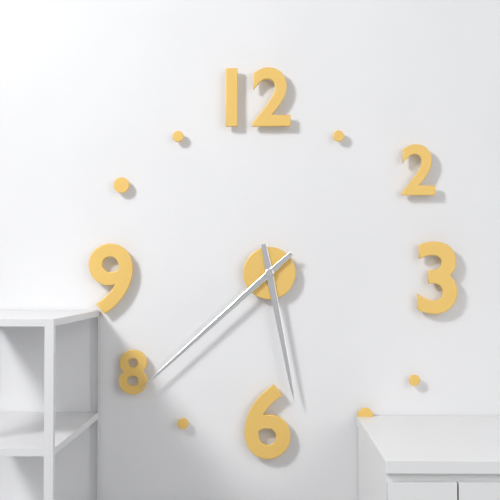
5:38
